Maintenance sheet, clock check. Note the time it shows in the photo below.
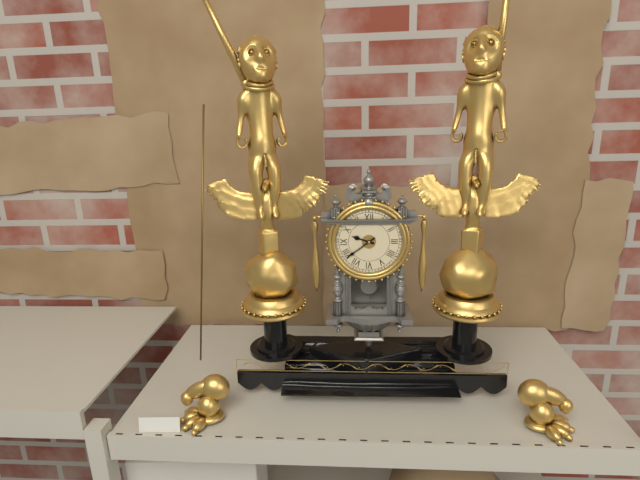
9:39
